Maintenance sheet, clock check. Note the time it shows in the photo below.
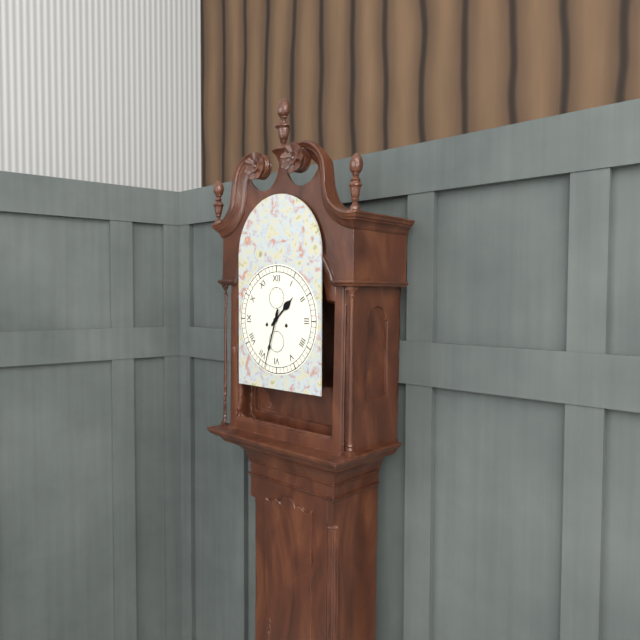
1:33
